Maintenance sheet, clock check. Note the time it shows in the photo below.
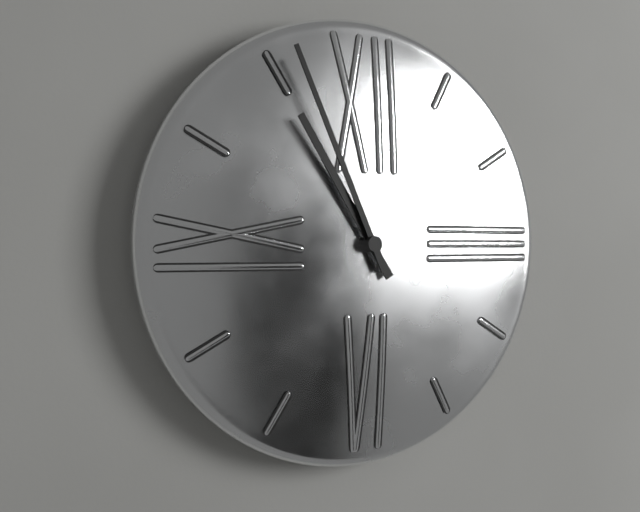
10:56
